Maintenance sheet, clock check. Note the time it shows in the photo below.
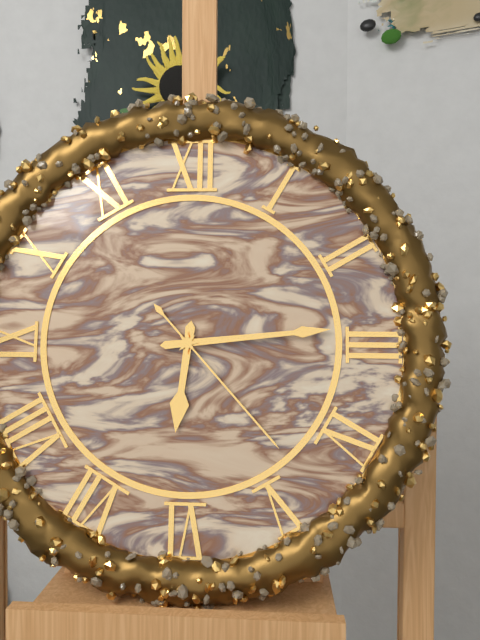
6:14:23
